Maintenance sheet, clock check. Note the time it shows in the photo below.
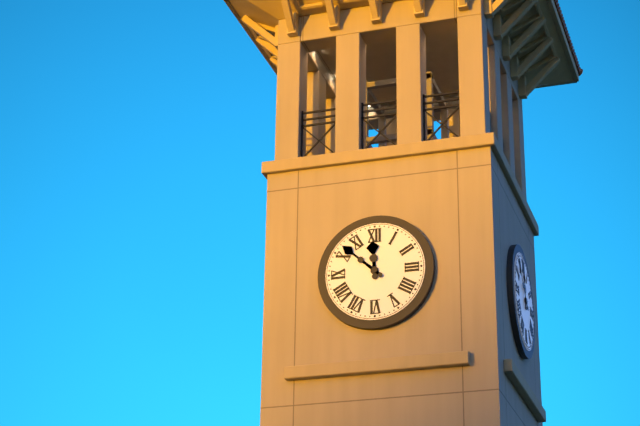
11:52
